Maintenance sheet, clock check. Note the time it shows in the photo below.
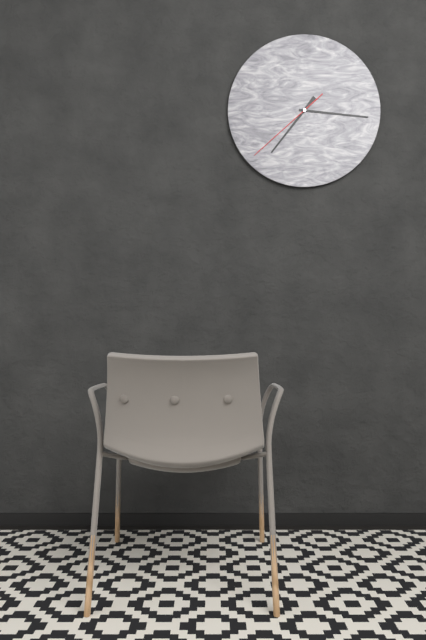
7:16:38
